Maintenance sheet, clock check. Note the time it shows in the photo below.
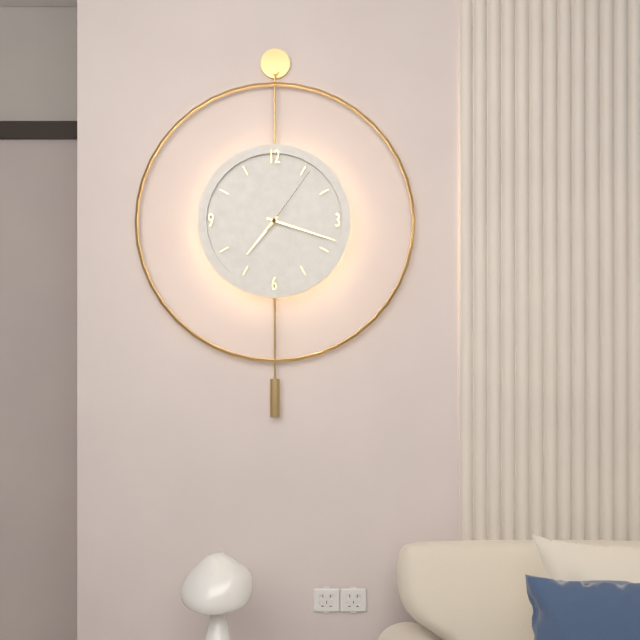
7:18:06
